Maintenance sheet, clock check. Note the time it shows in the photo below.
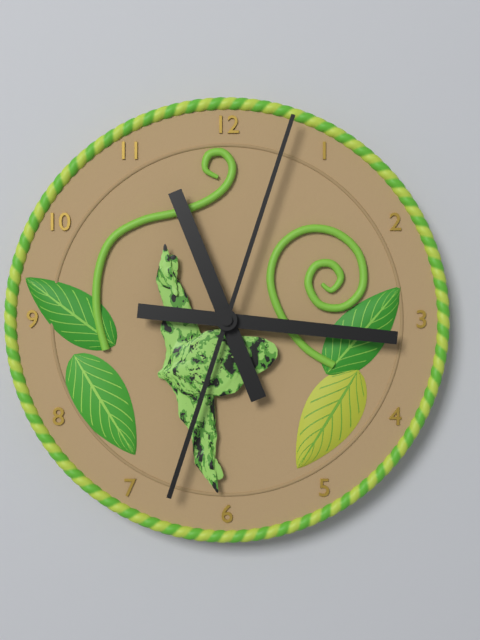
11:16:03
